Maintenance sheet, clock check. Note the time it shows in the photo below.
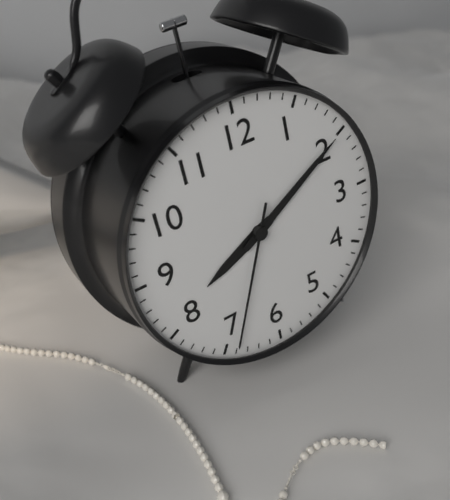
8:10:34
